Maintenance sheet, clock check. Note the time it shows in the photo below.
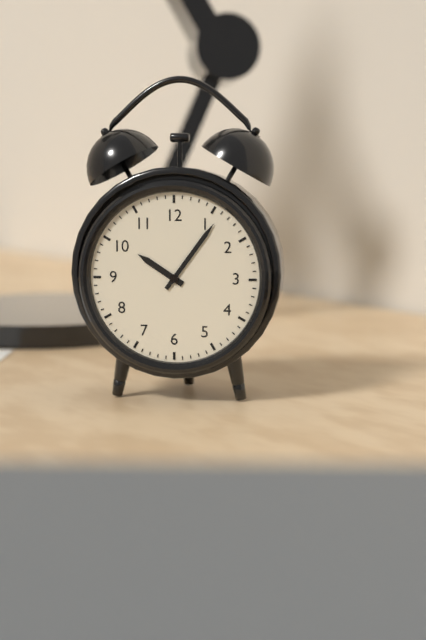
10:06
